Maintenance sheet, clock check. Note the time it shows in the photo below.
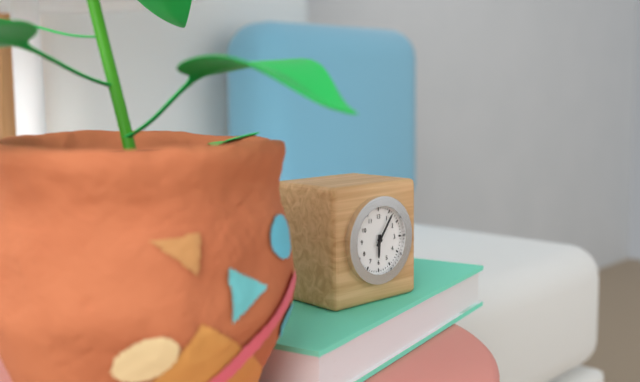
6:06
